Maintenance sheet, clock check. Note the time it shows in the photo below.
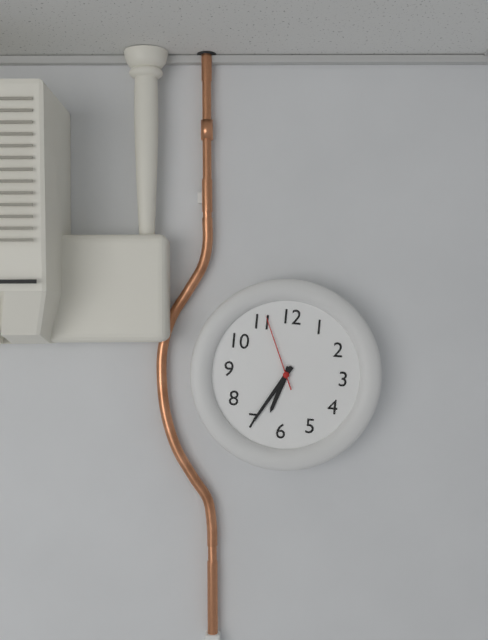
6:35:56
